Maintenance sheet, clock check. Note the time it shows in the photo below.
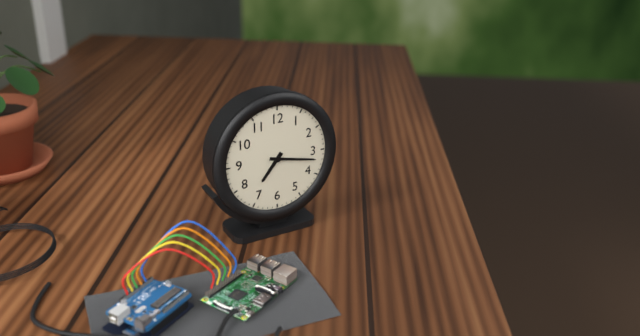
7:17
